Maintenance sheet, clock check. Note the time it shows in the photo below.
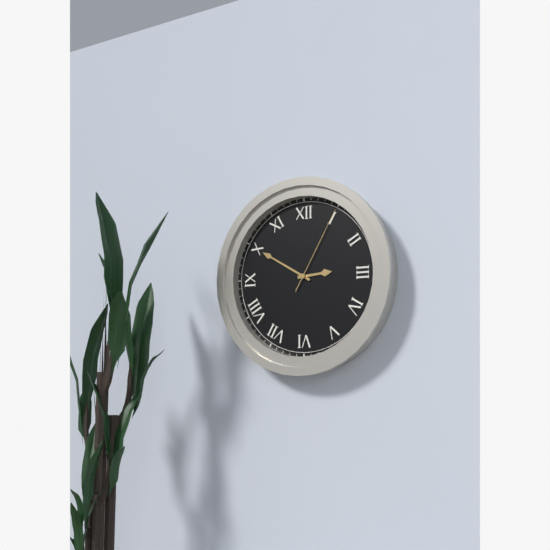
2:50:05
